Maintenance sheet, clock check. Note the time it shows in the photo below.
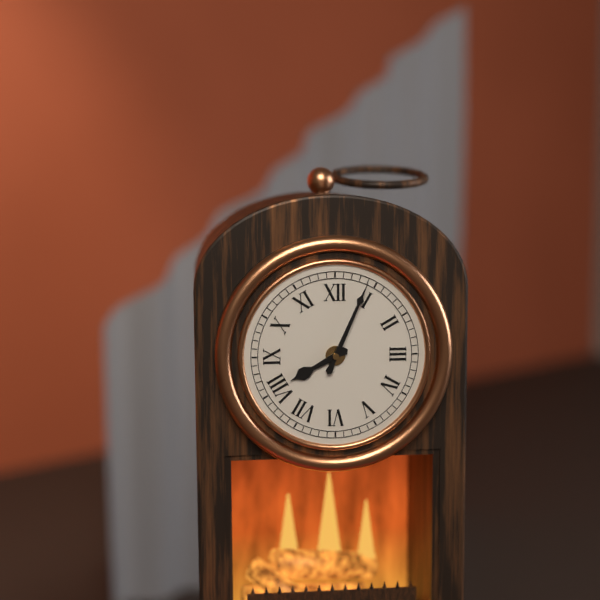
8:04
